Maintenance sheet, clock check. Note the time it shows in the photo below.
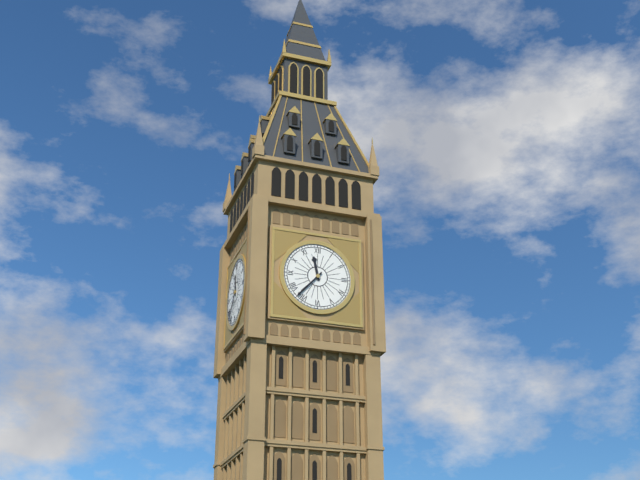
11:37
